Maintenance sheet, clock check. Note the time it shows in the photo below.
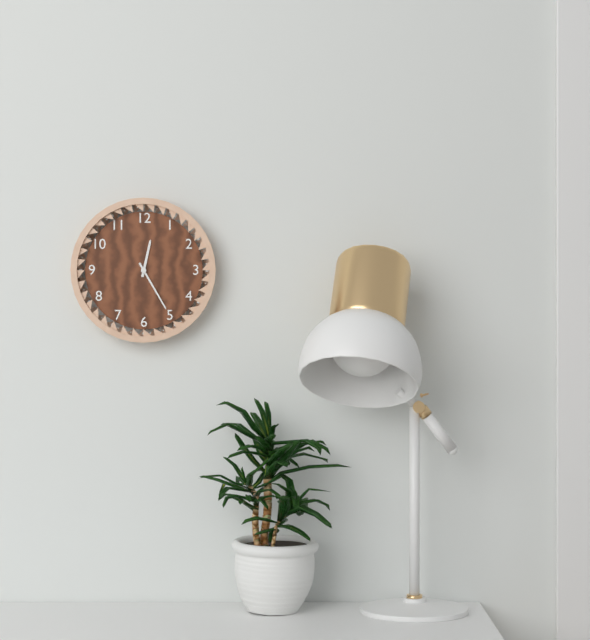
12:25
